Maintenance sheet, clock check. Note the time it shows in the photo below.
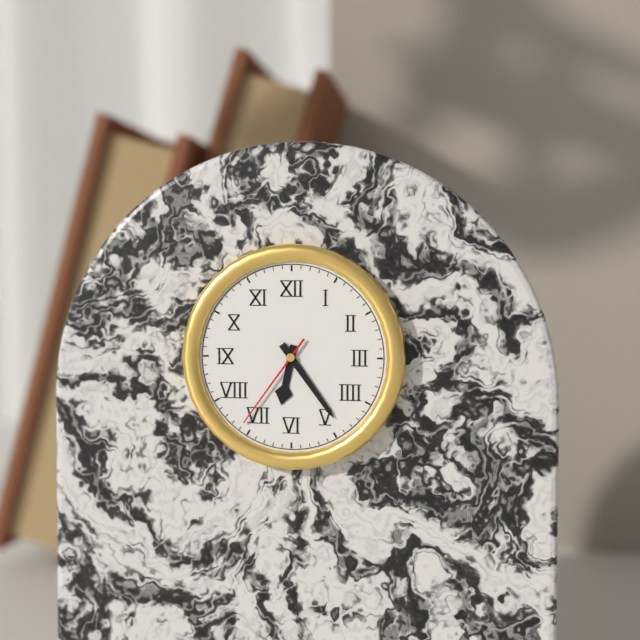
6:24:36
